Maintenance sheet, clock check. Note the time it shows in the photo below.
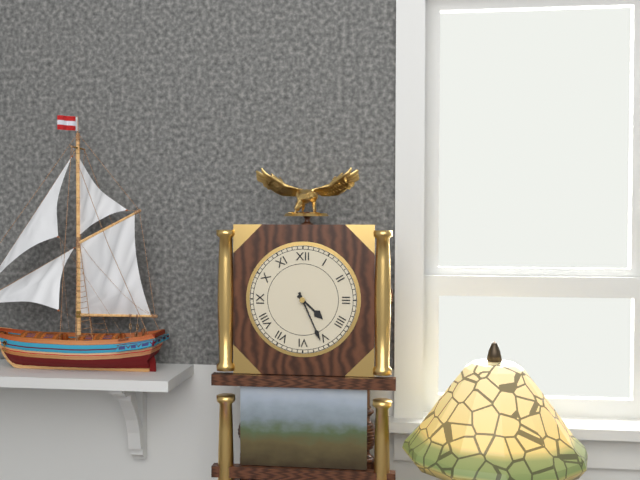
4:26
